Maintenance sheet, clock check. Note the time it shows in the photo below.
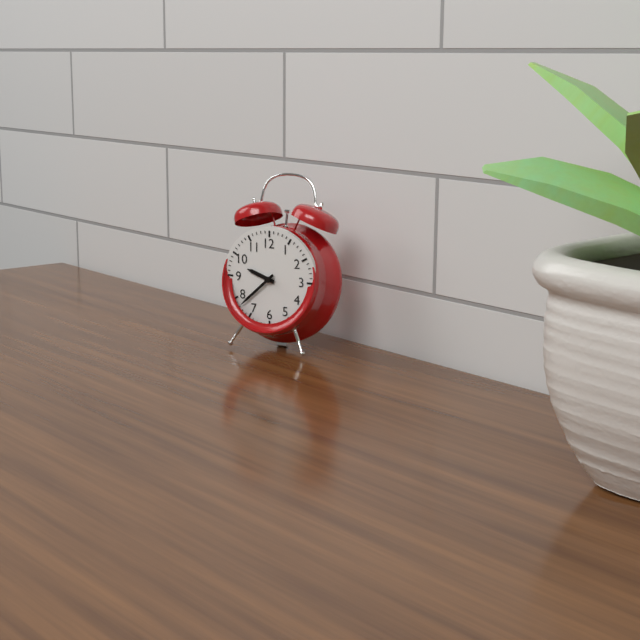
9:38
